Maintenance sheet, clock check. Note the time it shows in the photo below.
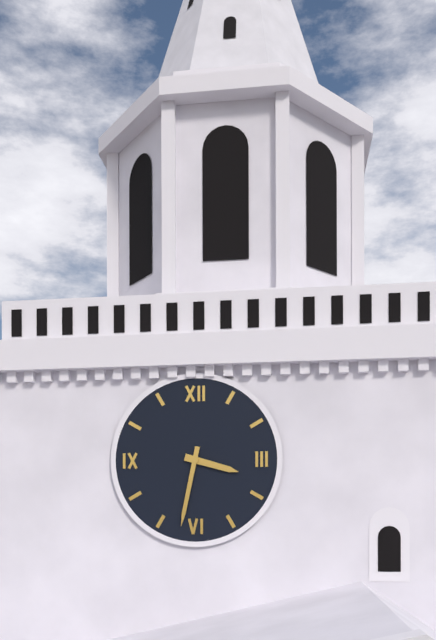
3:32
